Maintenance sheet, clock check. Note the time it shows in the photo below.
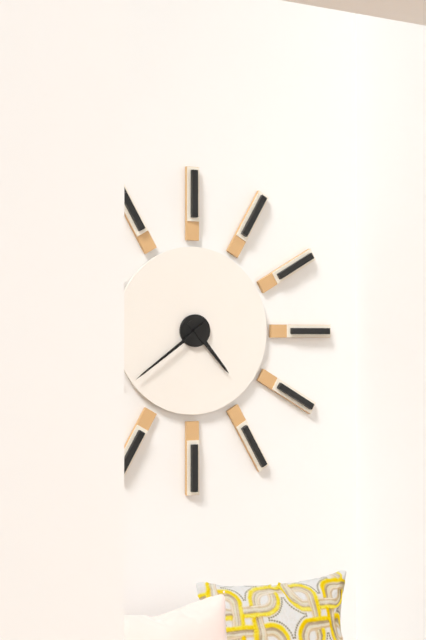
4:39
